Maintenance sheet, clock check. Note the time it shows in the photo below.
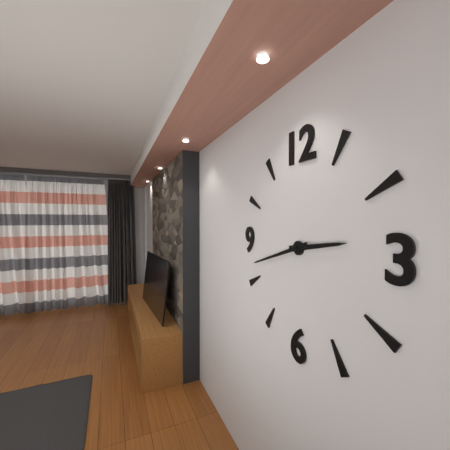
2:42
